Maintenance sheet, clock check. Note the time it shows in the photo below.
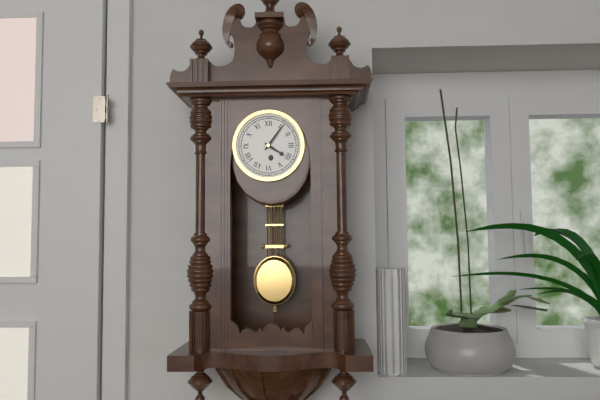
4:06
